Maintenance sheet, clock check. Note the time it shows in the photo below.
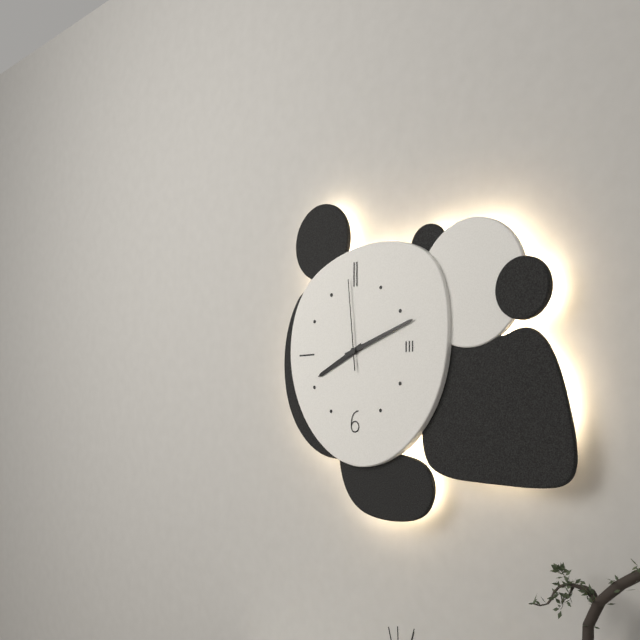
8:12:59
